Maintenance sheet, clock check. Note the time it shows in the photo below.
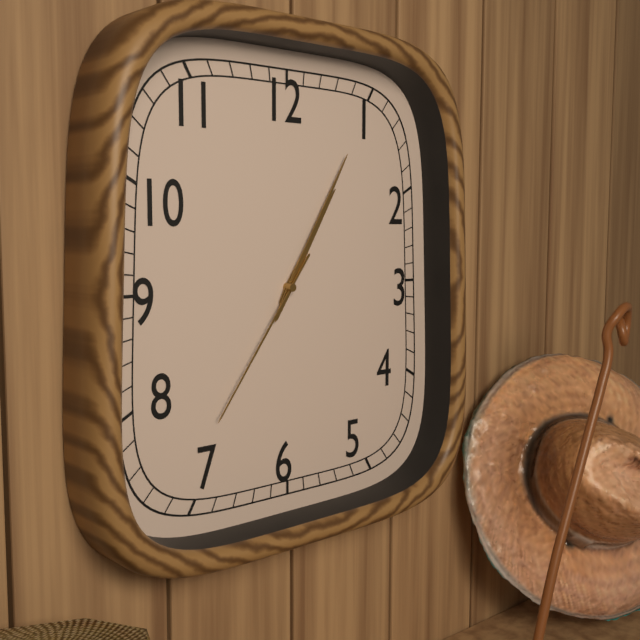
1:05:36
